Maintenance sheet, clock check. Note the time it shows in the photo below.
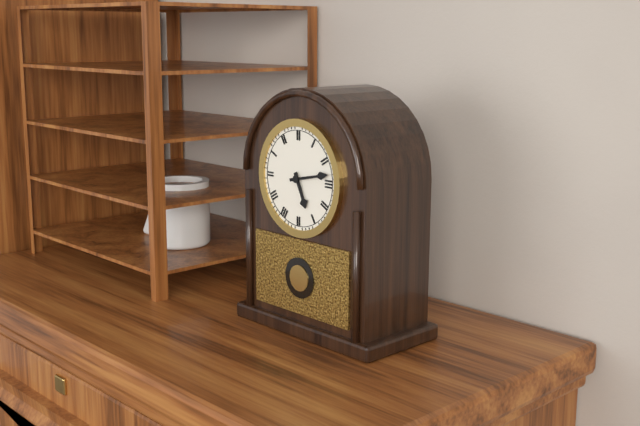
5:13
